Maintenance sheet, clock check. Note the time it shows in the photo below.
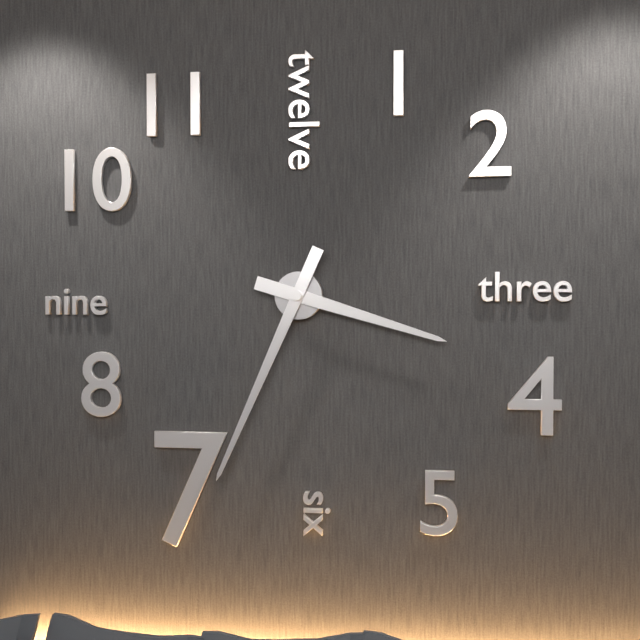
3:34
